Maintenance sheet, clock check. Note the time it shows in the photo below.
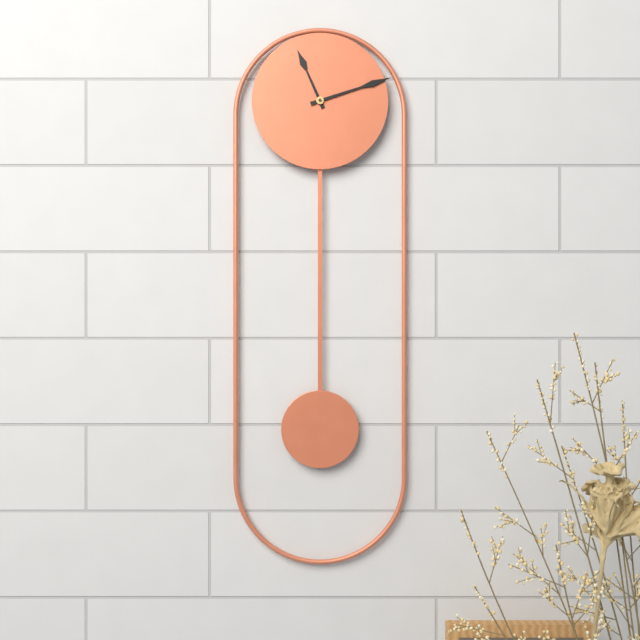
11:12
